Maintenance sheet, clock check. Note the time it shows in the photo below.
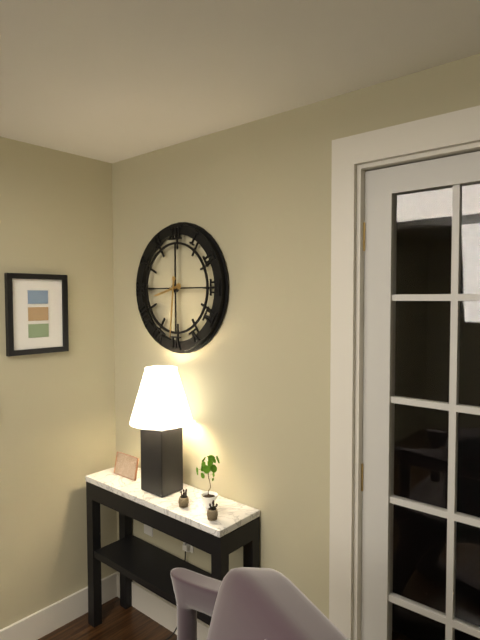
8:31
